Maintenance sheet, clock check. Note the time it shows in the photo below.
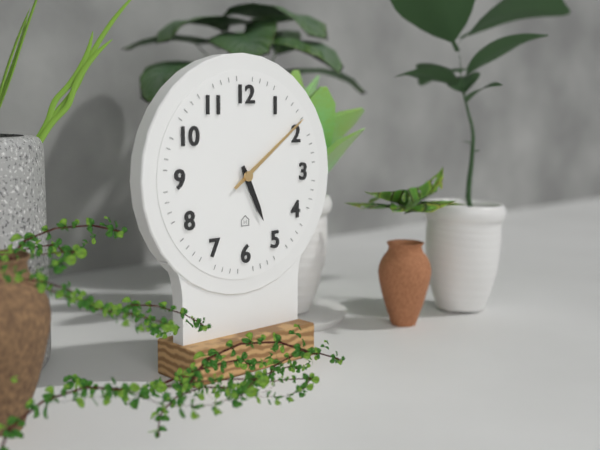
5:09
